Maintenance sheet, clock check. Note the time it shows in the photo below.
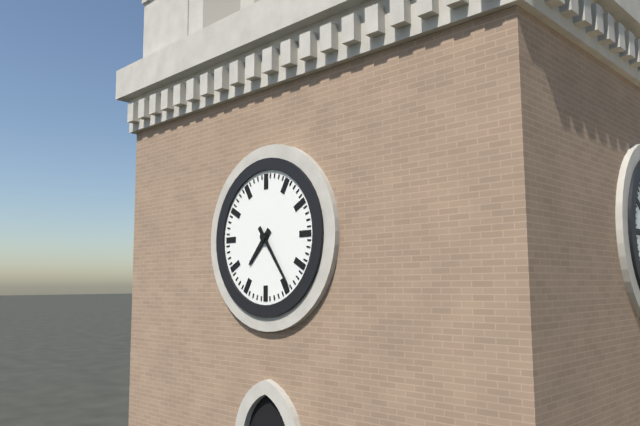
7:24
